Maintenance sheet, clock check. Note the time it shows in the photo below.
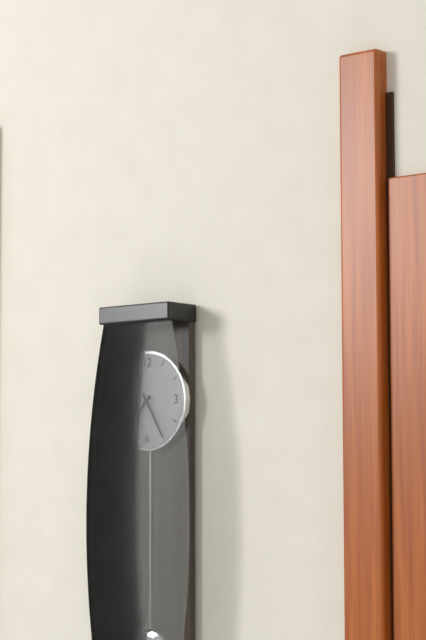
7:25
